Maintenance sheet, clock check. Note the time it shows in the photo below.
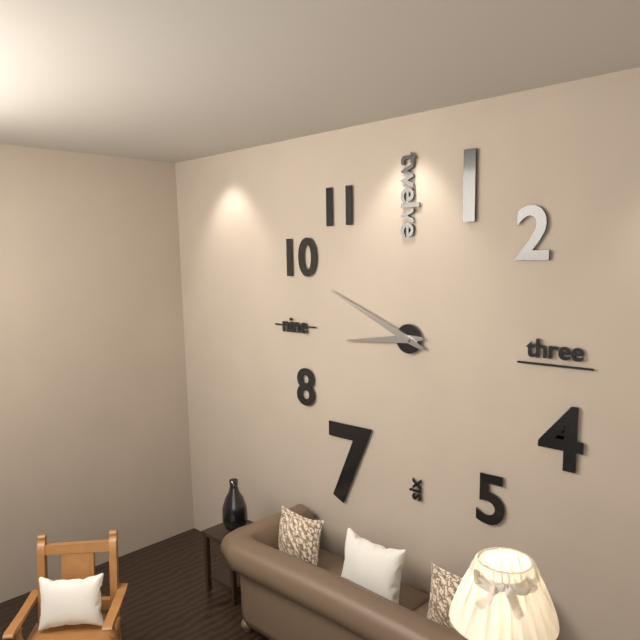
8:49
